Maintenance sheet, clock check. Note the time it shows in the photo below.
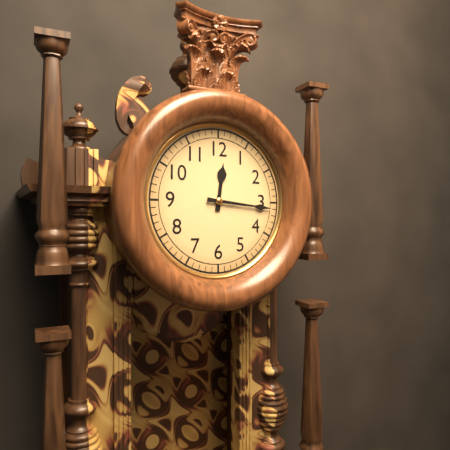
12:16
